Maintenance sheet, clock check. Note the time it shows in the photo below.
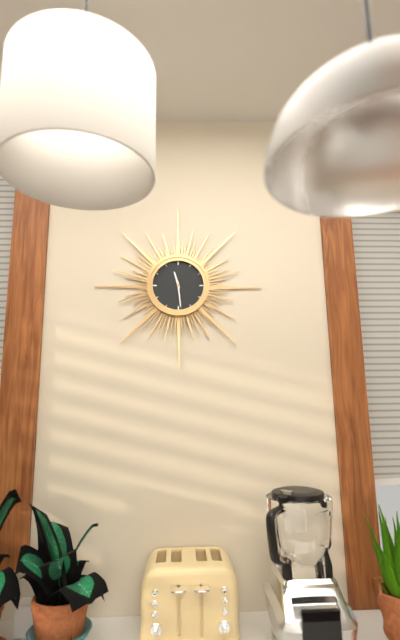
11:29
